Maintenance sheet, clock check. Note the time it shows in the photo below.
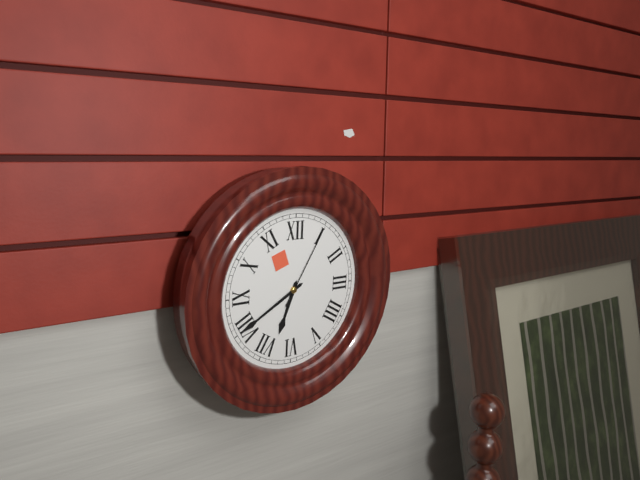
6:40:05
